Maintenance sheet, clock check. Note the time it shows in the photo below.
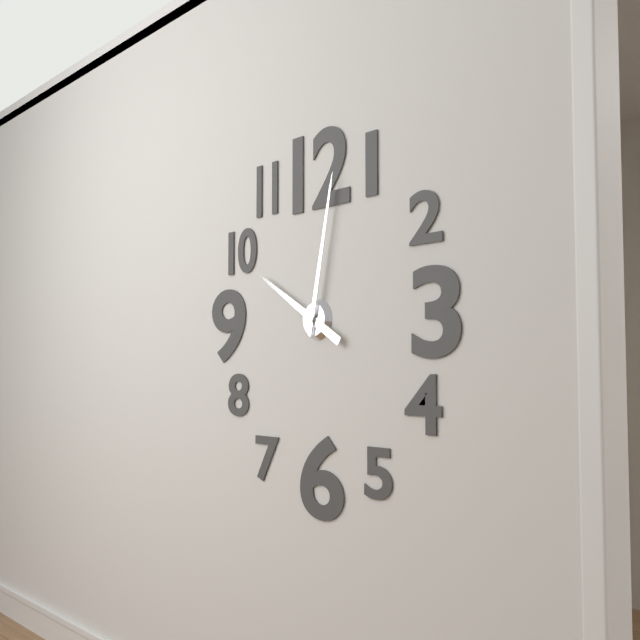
10:02
